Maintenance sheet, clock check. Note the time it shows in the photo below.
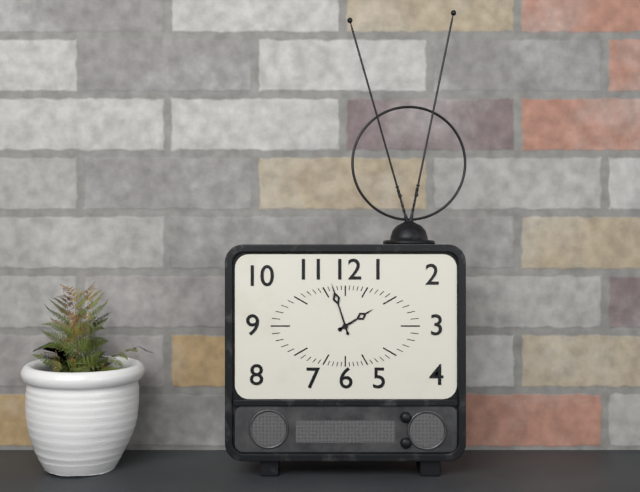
1:57
